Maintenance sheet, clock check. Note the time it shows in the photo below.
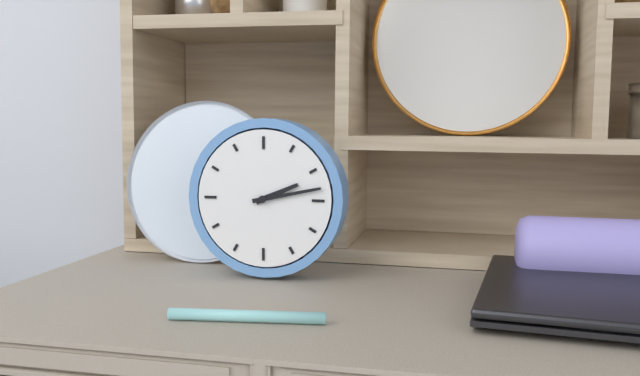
2:13
